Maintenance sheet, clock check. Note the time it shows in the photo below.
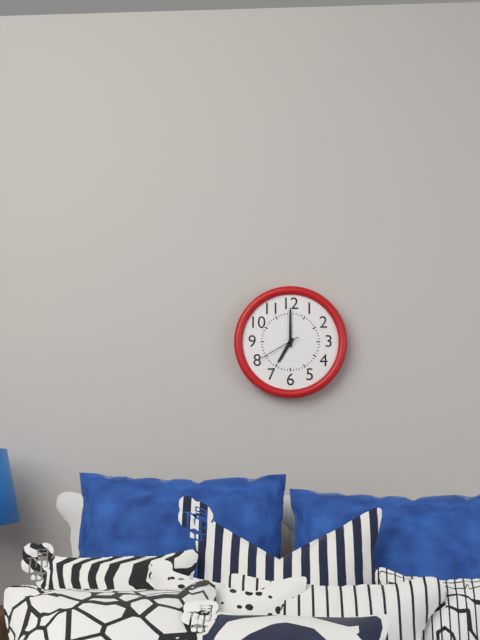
7:00
